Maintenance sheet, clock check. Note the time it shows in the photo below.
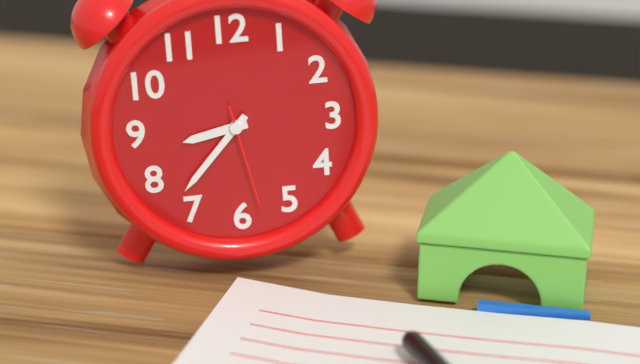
8:37:28
